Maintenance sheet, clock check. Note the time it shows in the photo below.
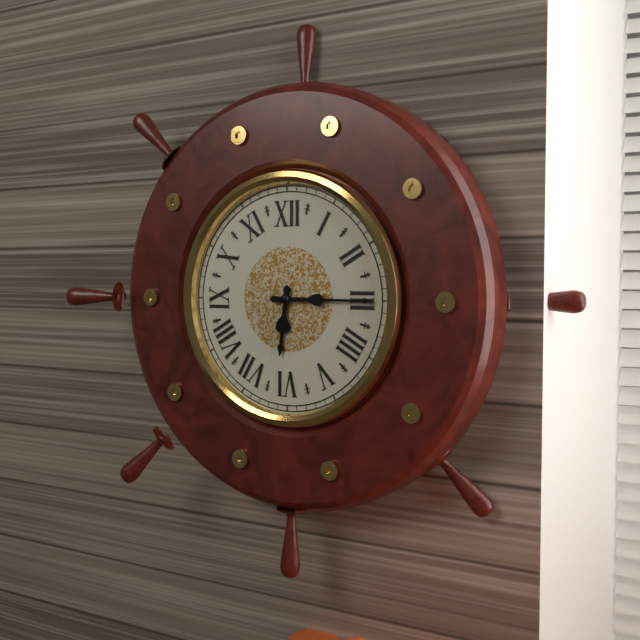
6:15
